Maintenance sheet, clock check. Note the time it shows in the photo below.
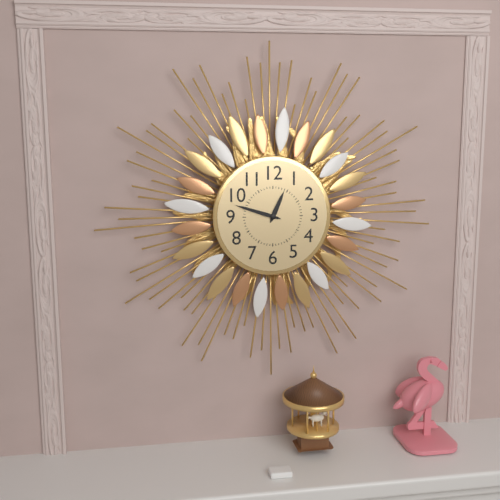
12:48
